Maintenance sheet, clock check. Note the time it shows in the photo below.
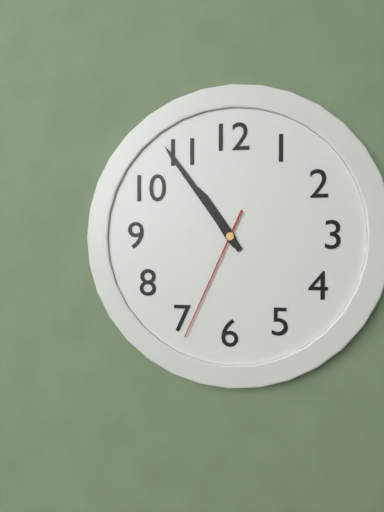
10:54:34
